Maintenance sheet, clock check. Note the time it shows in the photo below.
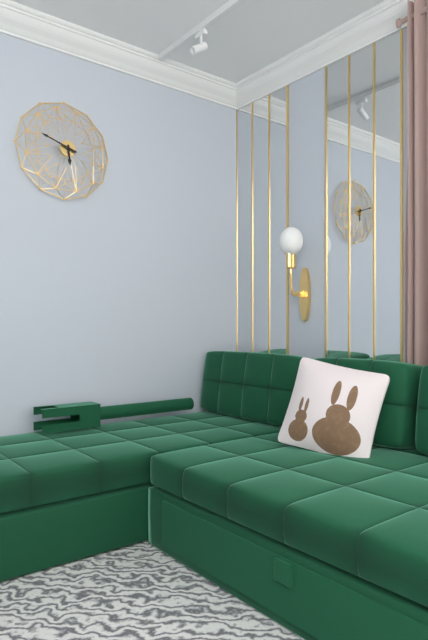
5:48
